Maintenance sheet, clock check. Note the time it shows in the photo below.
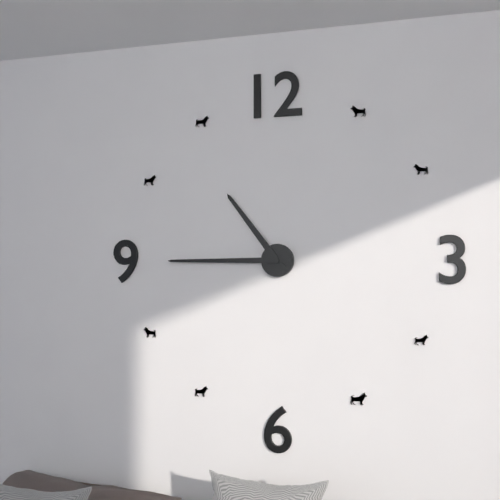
10:45
